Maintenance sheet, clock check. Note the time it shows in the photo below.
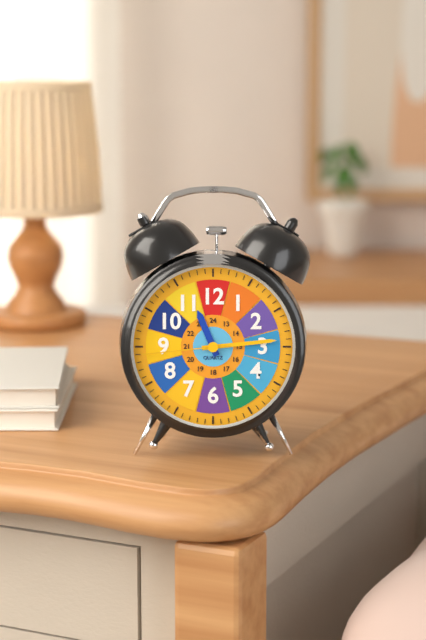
11:14:44
